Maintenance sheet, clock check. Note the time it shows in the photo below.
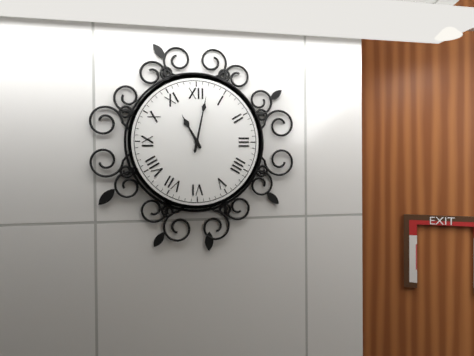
11:02
